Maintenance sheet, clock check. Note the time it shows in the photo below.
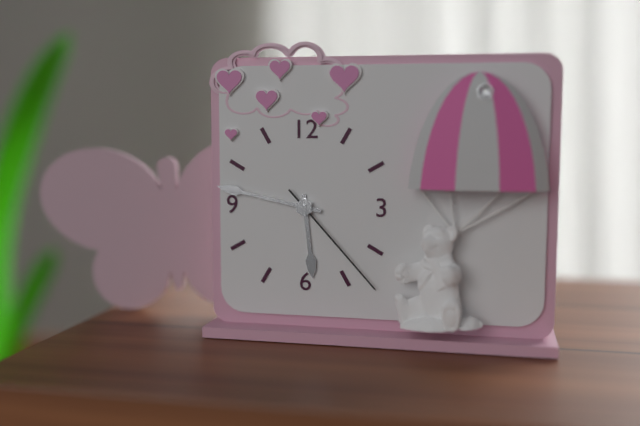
5:47:23
